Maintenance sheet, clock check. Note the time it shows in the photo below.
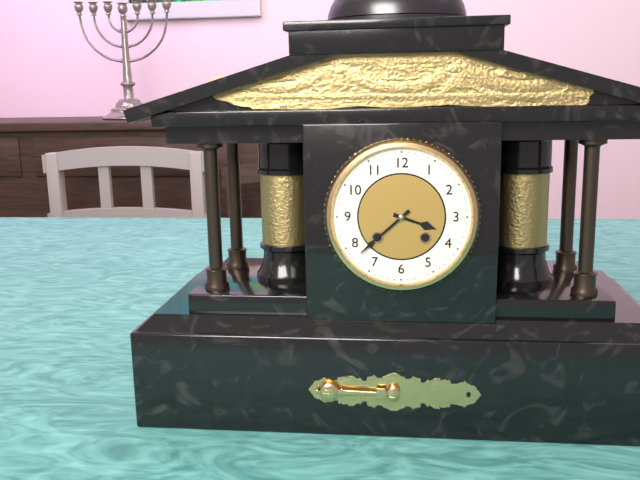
3:38
